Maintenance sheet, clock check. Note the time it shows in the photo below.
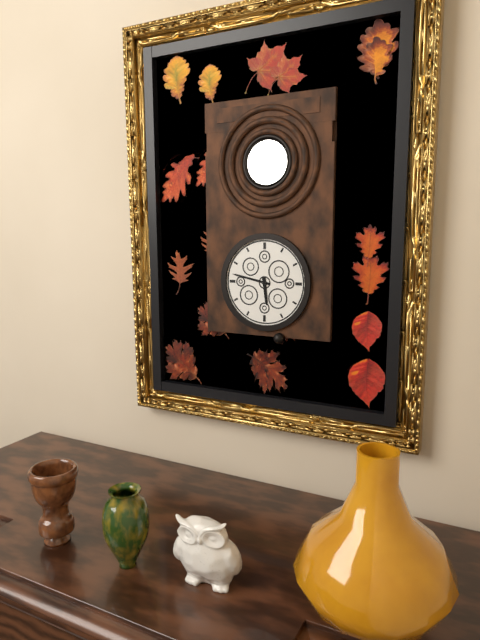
5:47
